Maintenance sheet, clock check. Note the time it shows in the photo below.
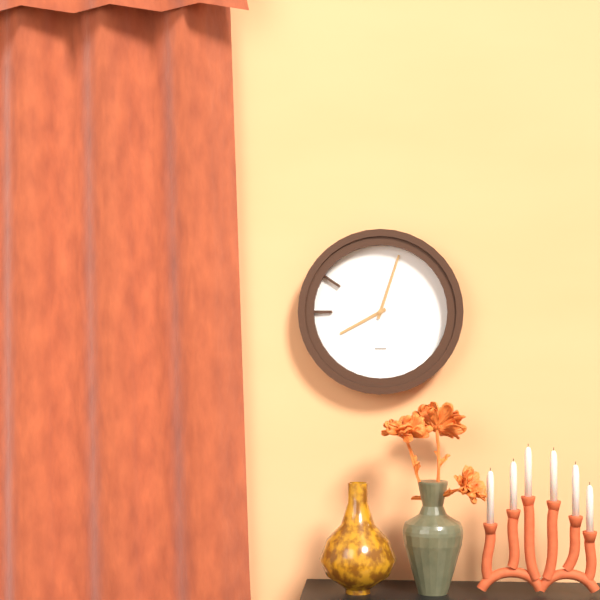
8:03
